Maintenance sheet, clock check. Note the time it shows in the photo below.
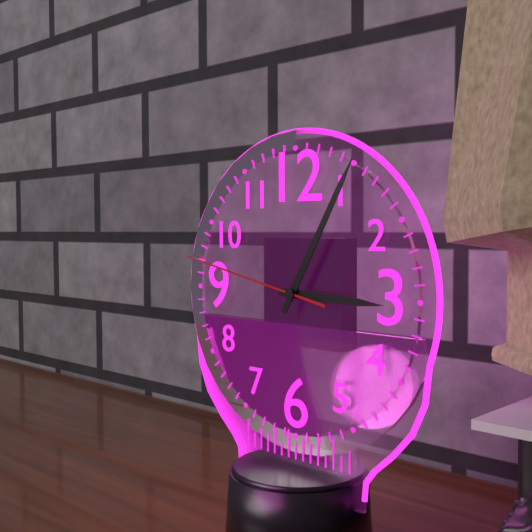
3:05:47
